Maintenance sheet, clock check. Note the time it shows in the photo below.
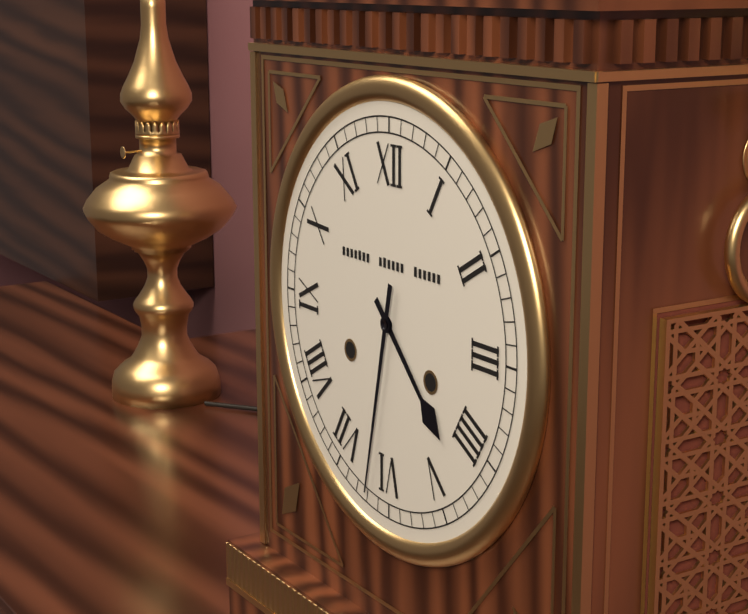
4:32
